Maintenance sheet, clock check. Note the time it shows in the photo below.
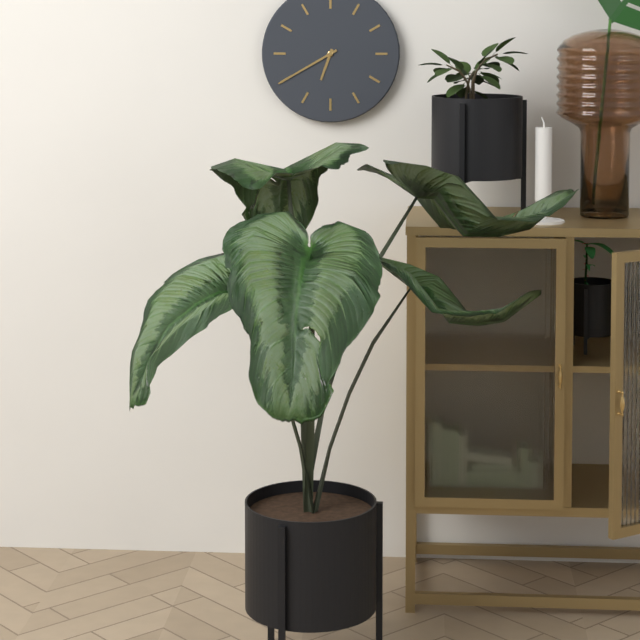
6:40
